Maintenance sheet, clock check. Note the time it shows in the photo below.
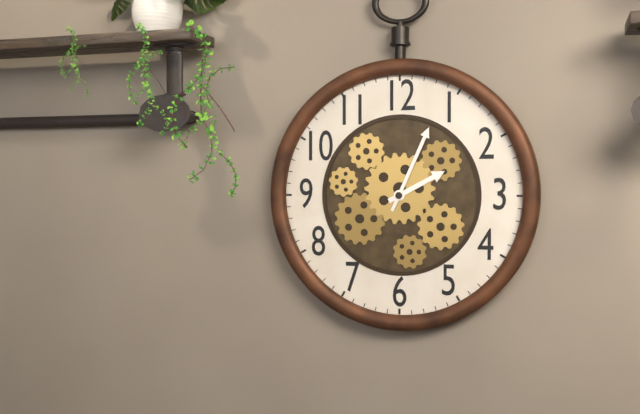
2:04
